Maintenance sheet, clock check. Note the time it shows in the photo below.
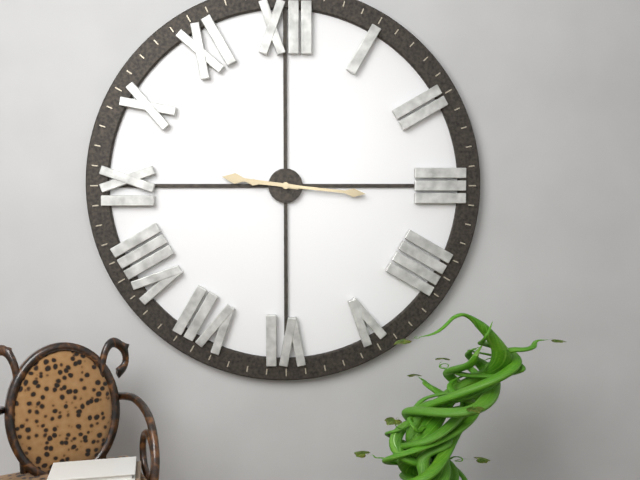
9:16
